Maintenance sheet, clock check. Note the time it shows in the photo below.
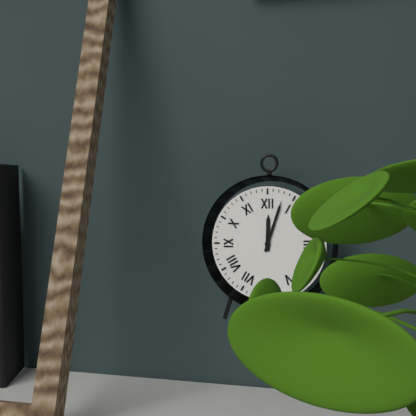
12:03
